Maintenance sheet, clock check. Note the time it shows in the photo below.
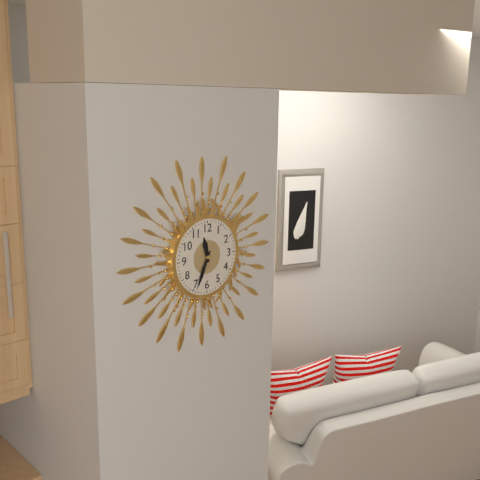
11:34
